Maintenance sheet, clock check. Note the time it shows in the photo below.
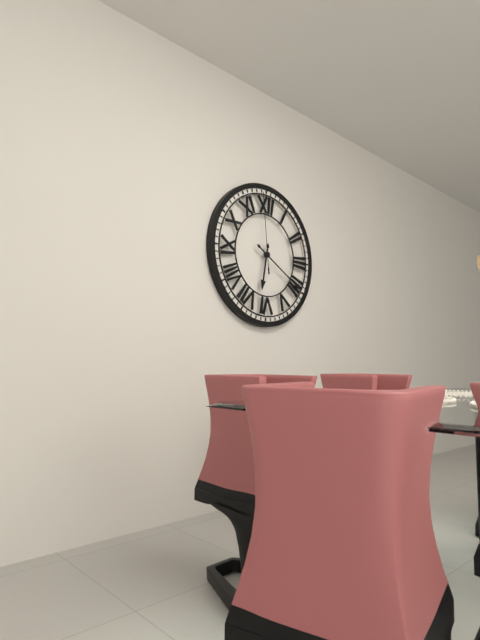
6:20:59
